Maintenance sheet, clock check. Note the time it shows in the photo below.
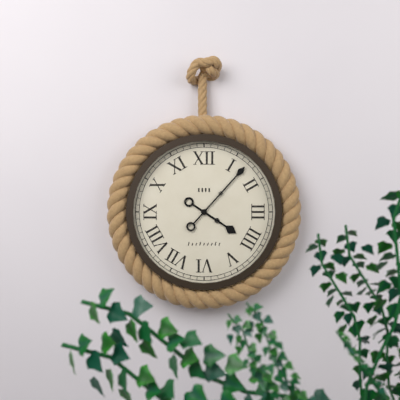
4:07
